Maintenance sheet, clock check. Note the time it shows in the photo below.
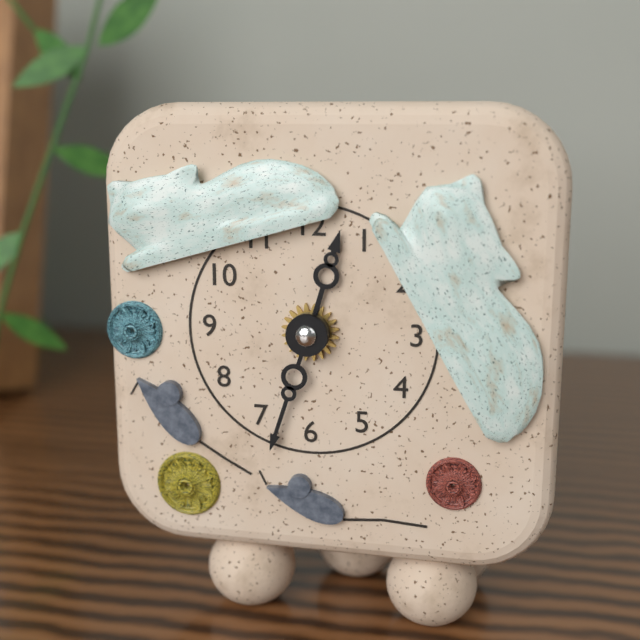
12:33
